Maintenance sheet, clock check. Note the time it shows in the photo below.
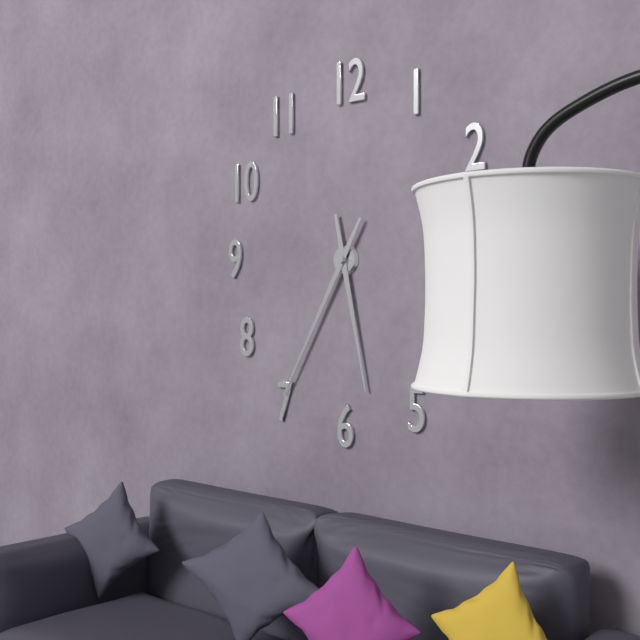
5:35
